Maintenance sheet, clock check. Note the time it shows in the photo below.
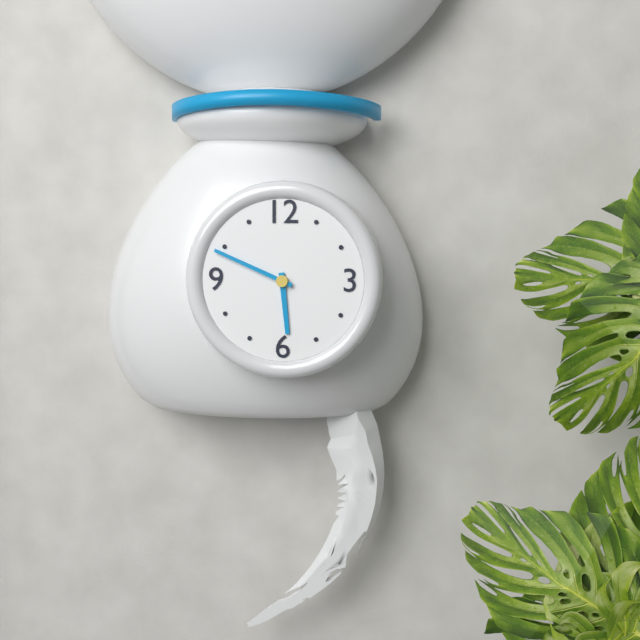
5:49
